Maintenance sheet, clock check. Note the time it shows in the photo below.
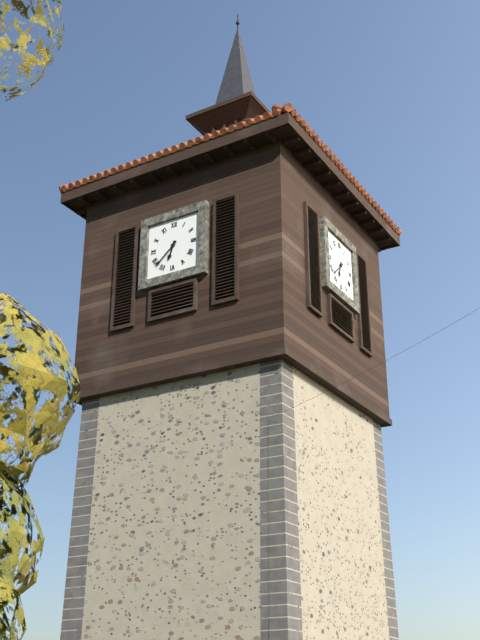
6:38
